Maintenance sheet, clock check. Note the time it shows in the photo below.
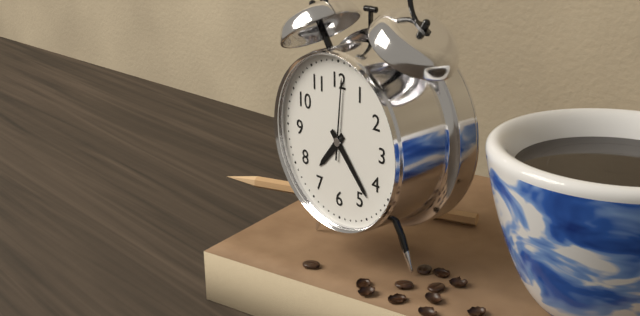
7:23:01
